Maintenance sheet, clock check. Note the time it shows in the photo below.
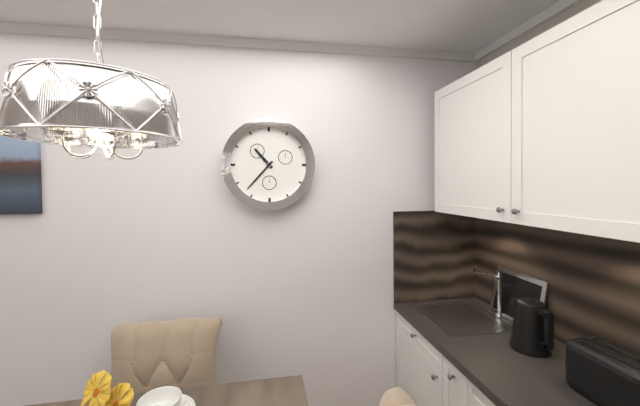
10:37
